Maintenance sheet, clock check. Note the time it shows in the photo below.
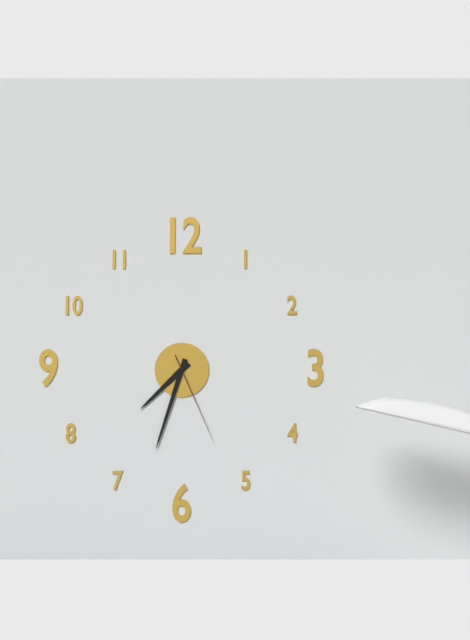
7:33:26
